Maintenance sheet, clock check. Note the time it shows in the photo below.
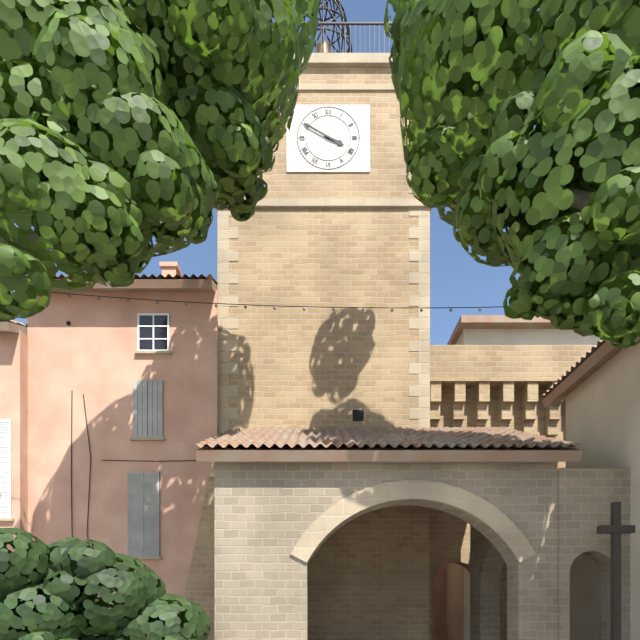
3:50
